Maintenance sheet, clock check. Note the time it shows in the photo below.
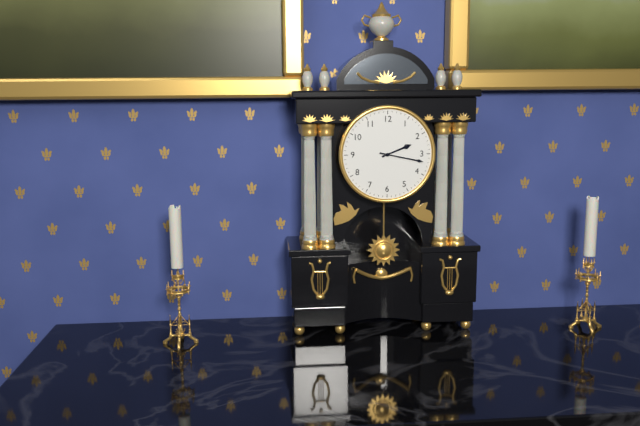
2:17
